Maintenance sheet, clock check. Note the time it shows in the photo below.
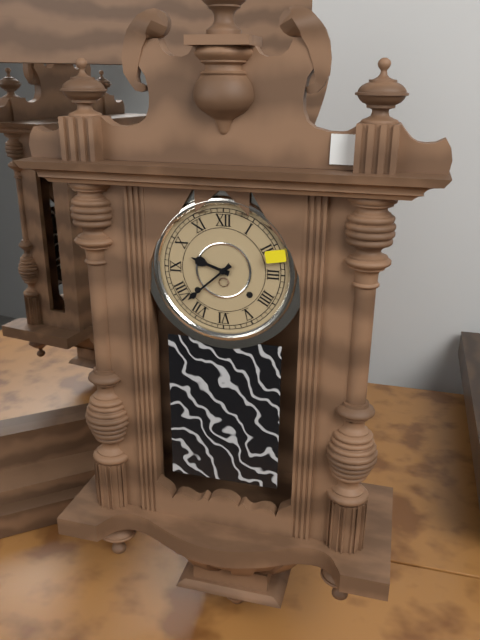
9:38
